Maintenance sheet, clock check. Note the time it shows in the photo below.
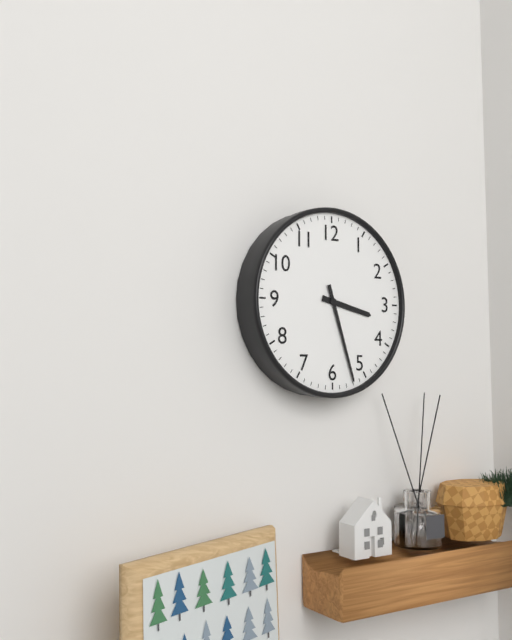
3:27
